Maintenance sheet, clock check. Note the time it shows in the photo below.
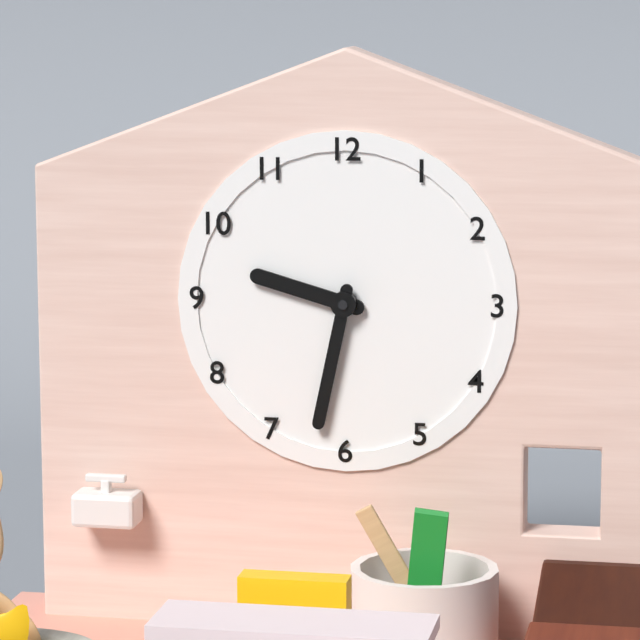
9:32
